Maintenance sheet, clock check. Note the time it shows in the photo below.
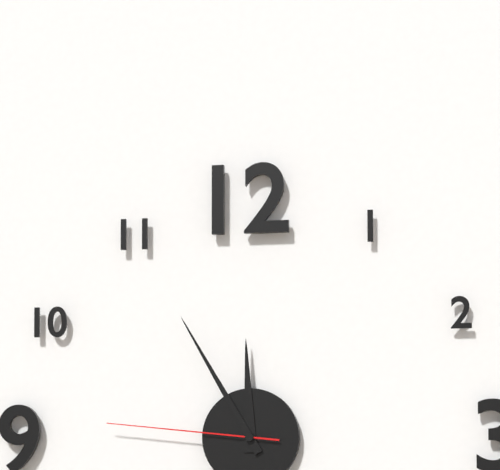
11:55:46
